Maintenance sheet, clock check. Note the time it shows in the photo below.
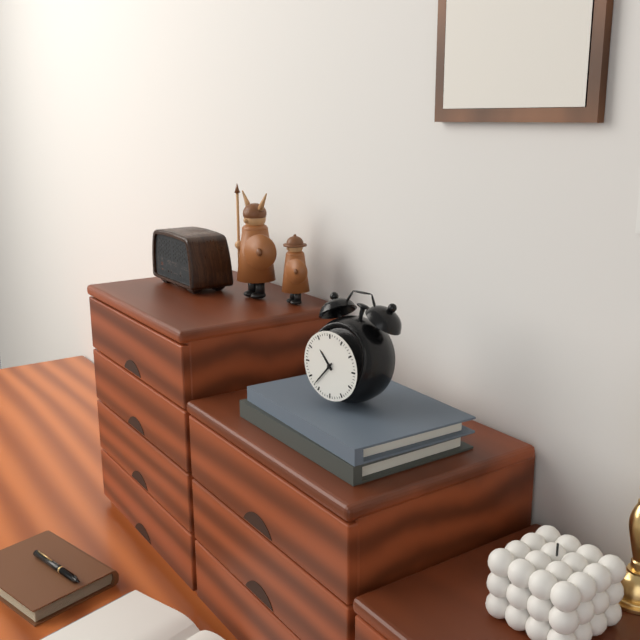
10:37
